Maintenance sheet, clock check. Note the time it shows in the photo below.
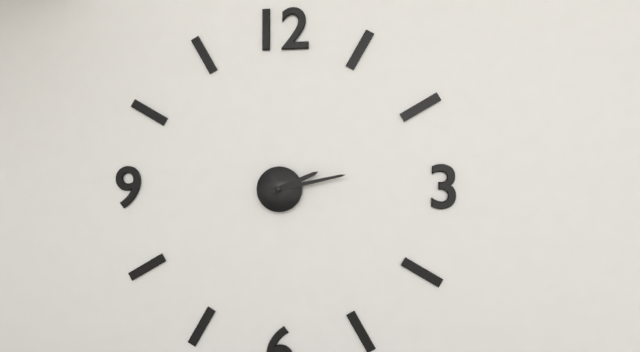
2:13
